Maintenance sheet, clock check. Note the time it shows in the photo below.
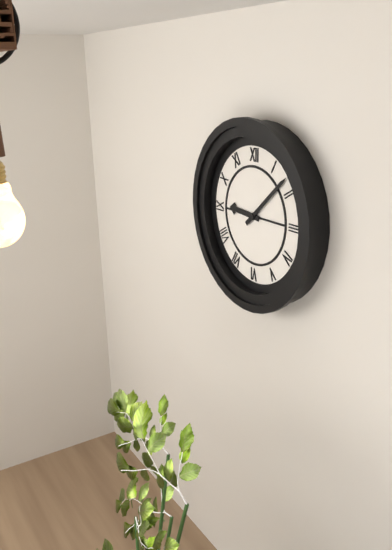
9:08
